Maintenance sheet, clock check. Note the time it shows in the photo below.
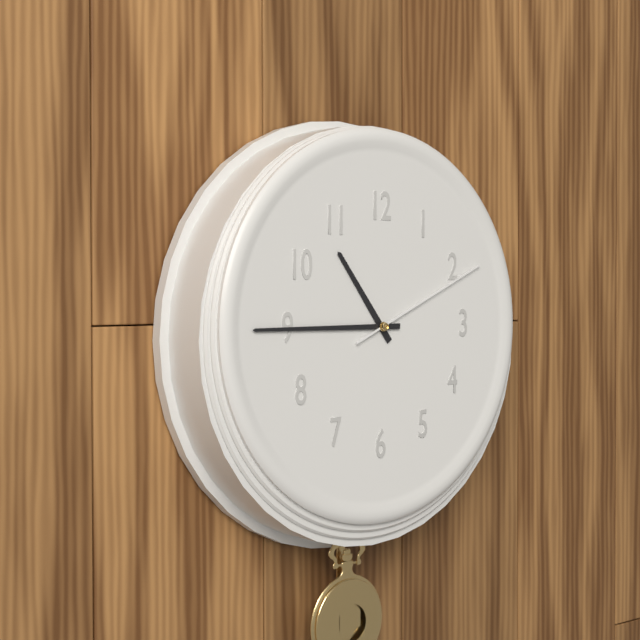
10:45:11
